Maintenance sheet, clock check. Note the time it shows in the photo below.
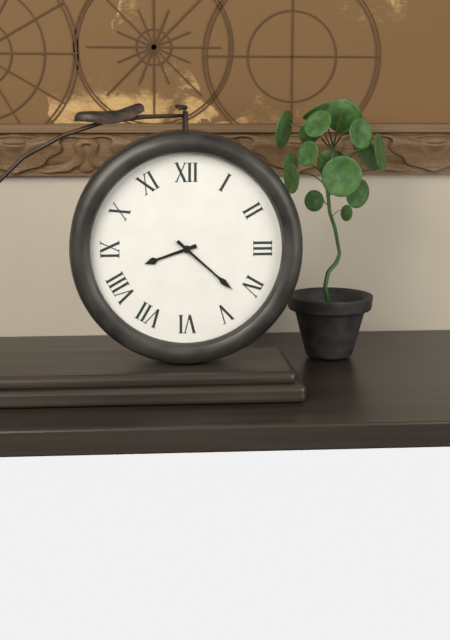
8:22
